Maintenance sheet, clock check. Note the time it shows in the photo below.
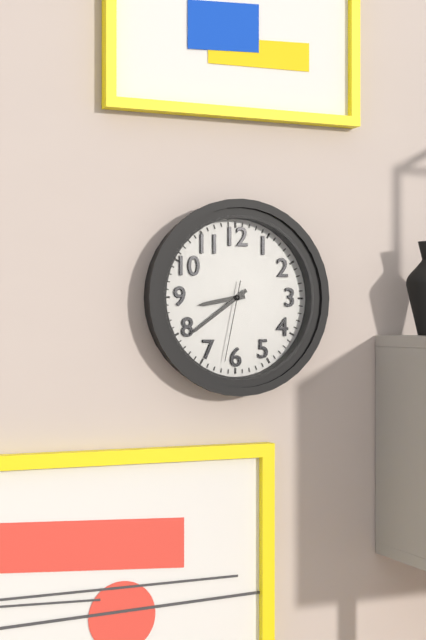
8:39:32
